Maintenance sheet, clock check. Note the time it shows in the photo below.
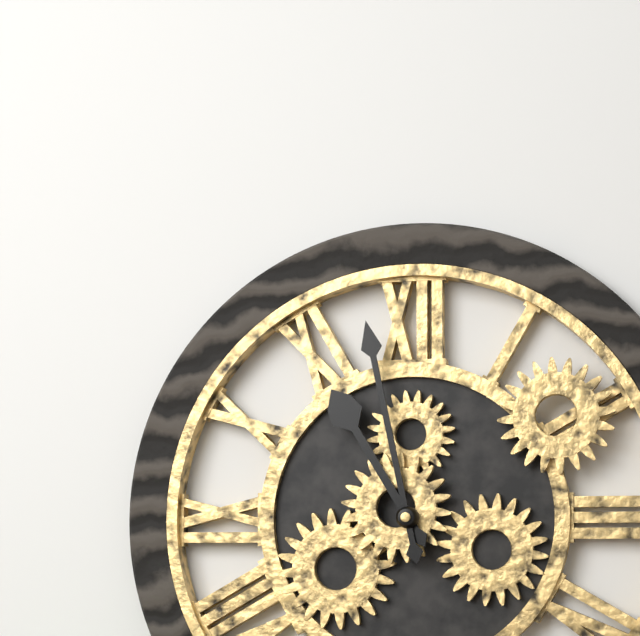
10:58
